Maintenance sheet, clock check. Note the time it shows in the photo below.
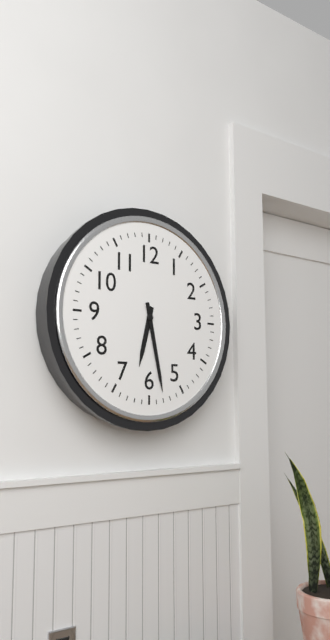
6:28
